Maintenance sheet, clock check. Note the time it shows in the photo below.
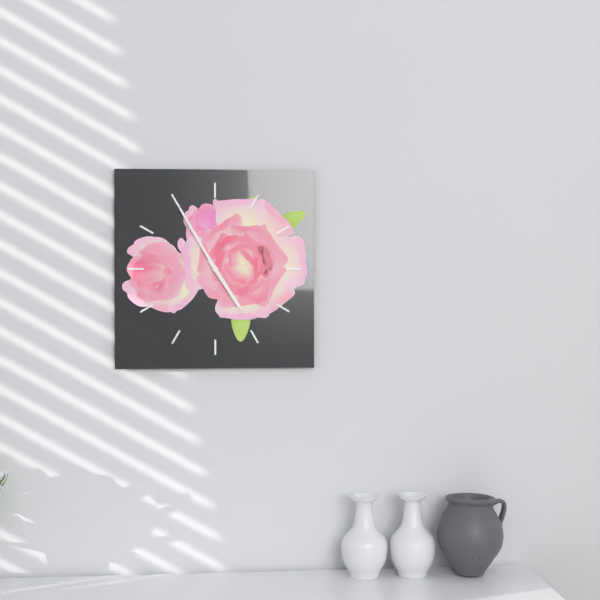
4:55
